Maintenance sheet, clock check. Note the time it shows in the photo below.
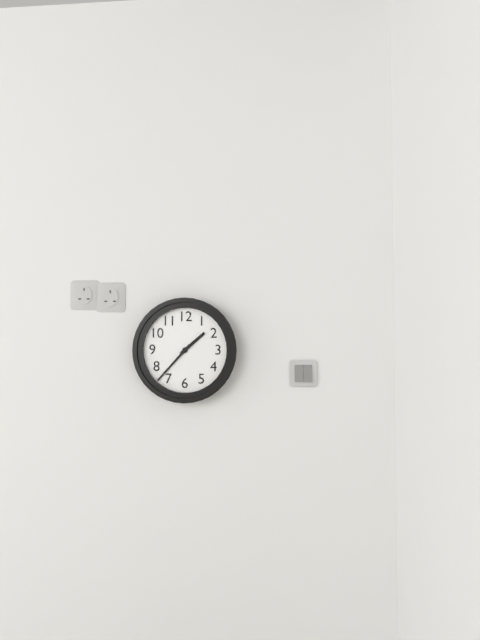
1:37
